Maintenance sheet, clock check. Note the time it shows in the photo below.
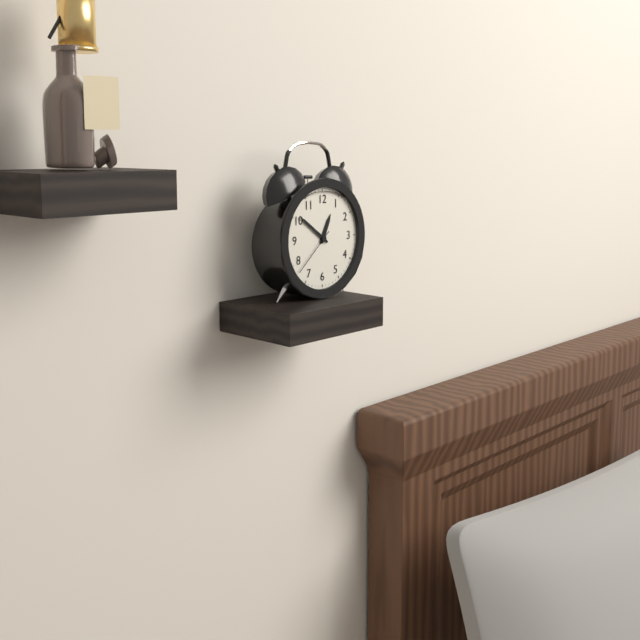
12:51:38
